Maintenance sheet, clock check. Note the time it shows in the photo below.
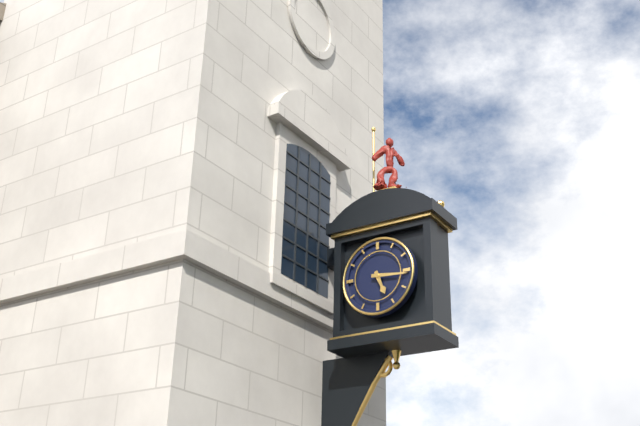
5:16
